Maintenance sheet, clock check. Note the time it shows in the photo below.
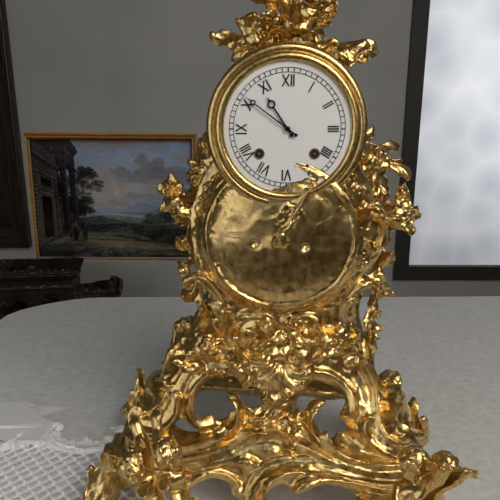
10:51
